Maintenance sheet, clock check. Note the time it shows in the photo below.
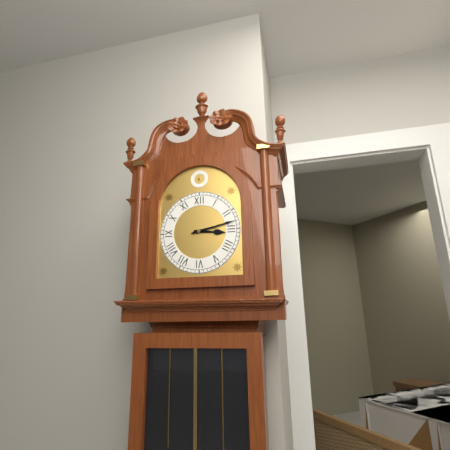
3:13
